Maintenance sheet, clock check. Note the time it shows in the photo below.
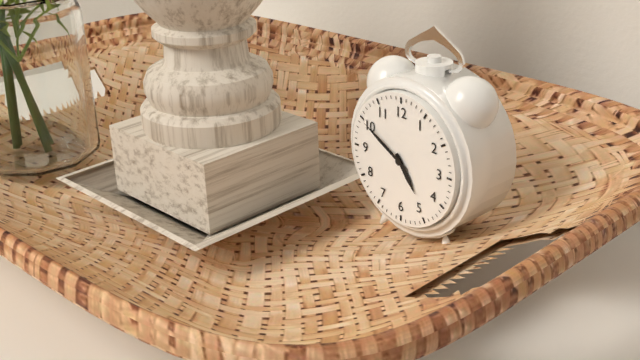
4:50
